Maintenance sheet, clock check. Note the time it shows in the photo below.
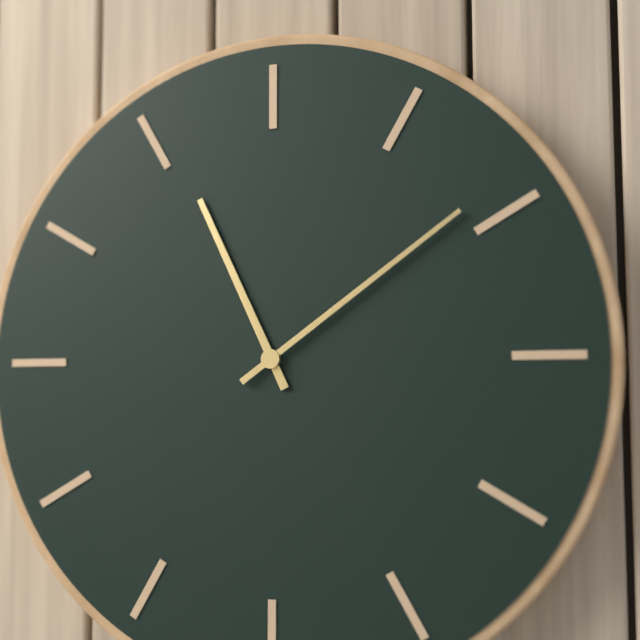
11:09
